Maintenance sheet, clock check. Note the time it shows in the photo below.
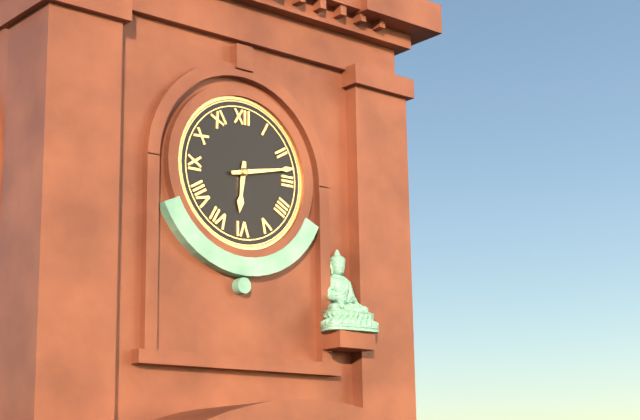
6:13
